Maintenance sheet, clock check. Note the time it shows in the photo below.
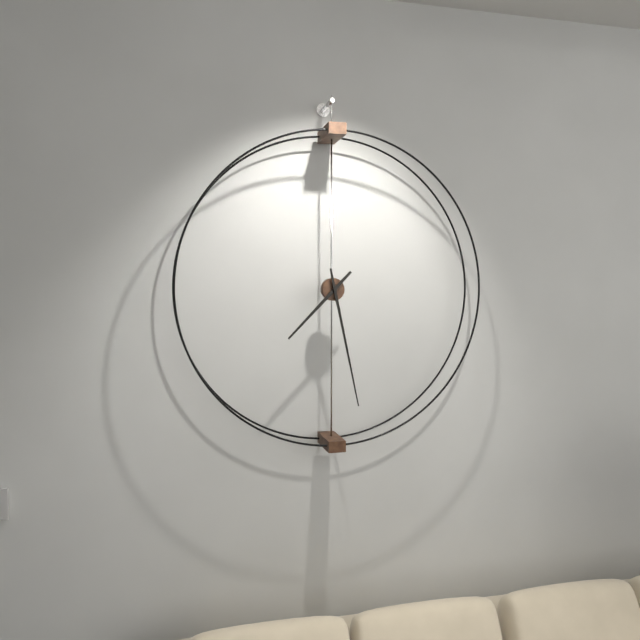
7:28
